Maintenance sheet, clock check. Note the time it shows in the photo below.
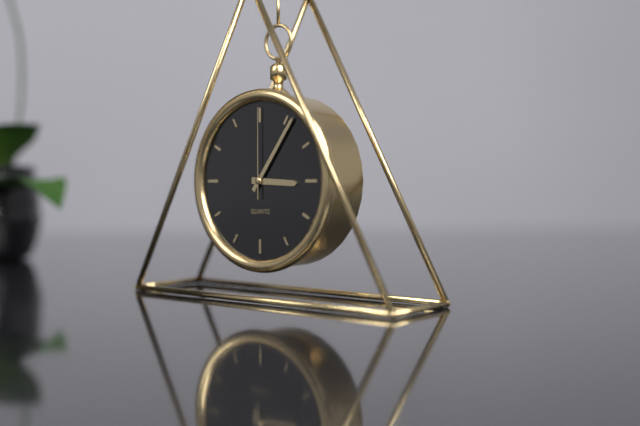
3:06:00
